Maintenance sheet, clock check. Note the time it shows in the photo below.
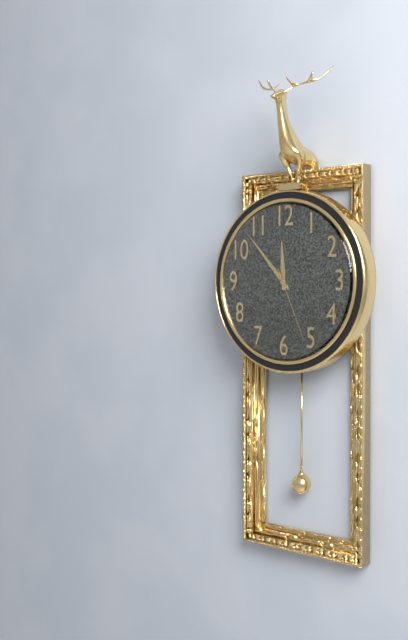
11:53:26
